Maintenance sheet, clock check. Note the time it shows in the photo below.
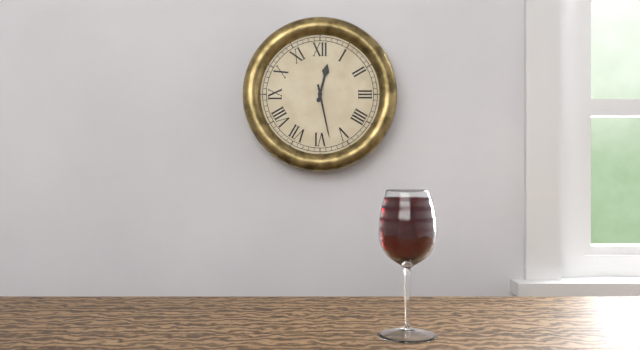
12:28
